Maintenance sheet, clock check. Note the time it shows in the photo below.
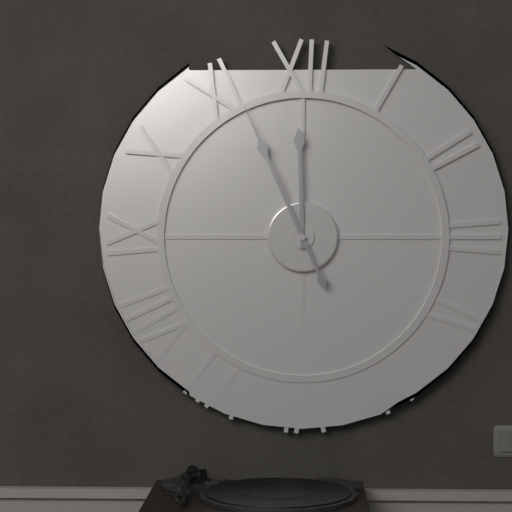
11:56
